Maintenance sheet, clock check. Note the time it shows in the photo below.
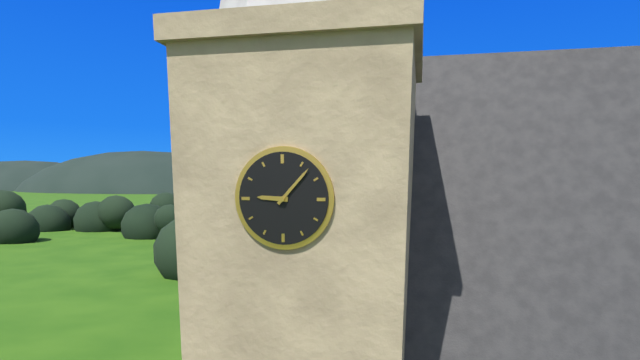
9:07
